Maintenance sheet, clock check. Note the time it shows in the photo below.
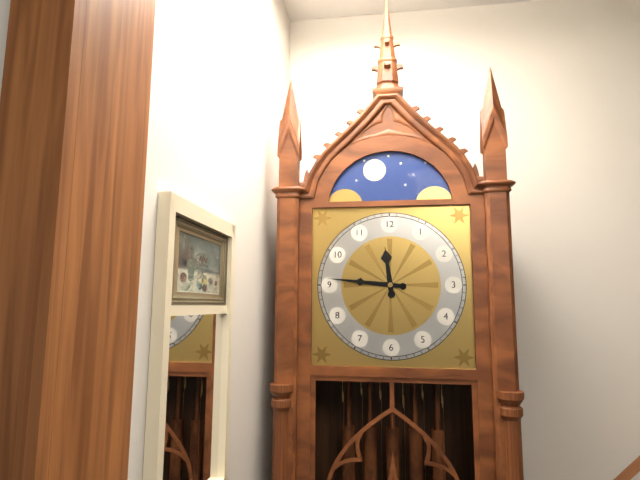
11:46
